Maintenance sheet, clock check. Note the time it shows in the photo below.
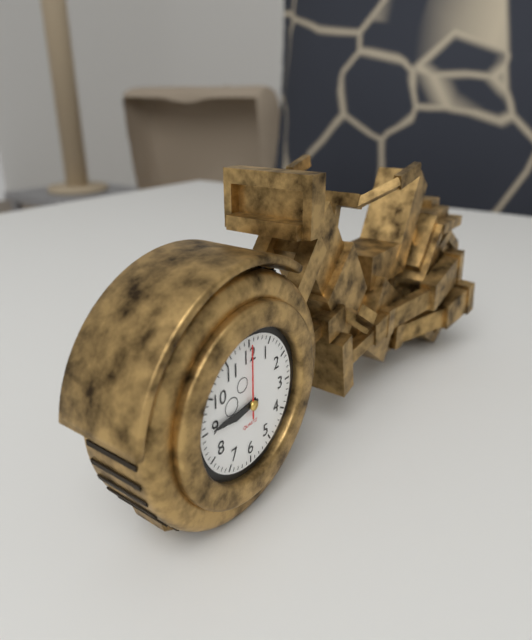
8:45:00
